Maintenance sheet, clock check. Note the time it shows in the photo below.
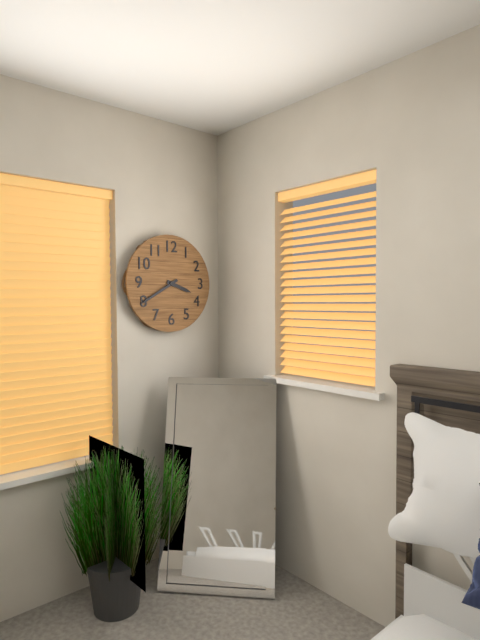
3:40
